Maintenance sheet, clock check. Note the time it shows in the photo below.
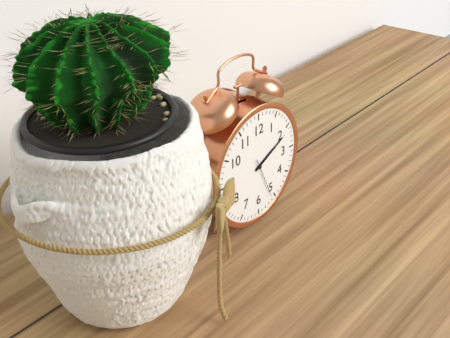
2:11
